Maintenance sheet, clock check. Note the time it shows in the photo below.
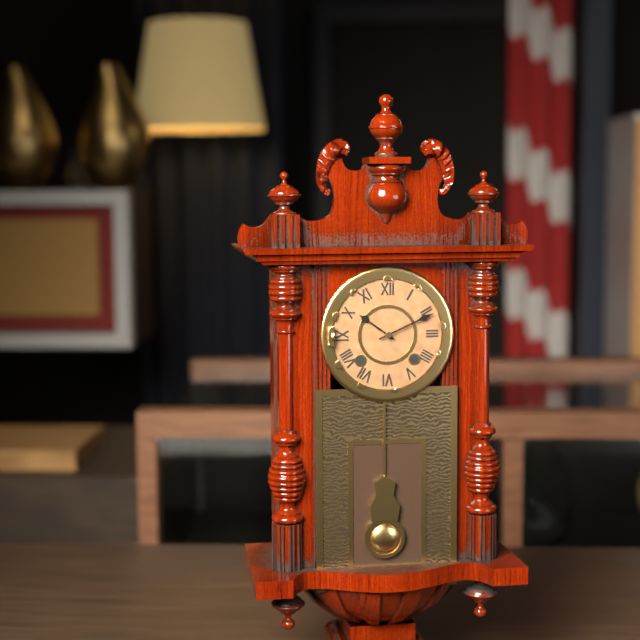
10:11
